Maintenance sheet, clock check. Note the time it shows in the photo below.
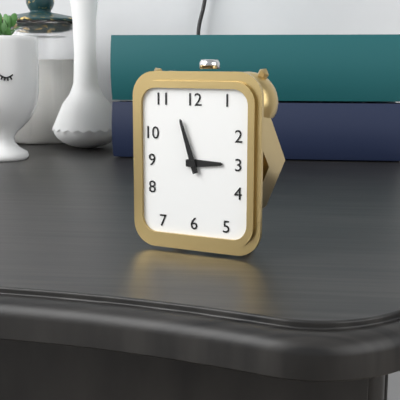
2:57
